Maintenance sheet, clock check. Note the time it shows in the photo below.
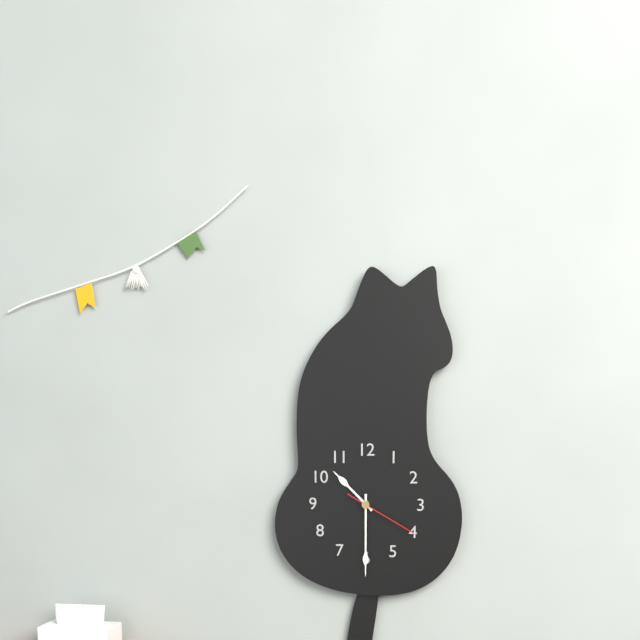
10:30:20
